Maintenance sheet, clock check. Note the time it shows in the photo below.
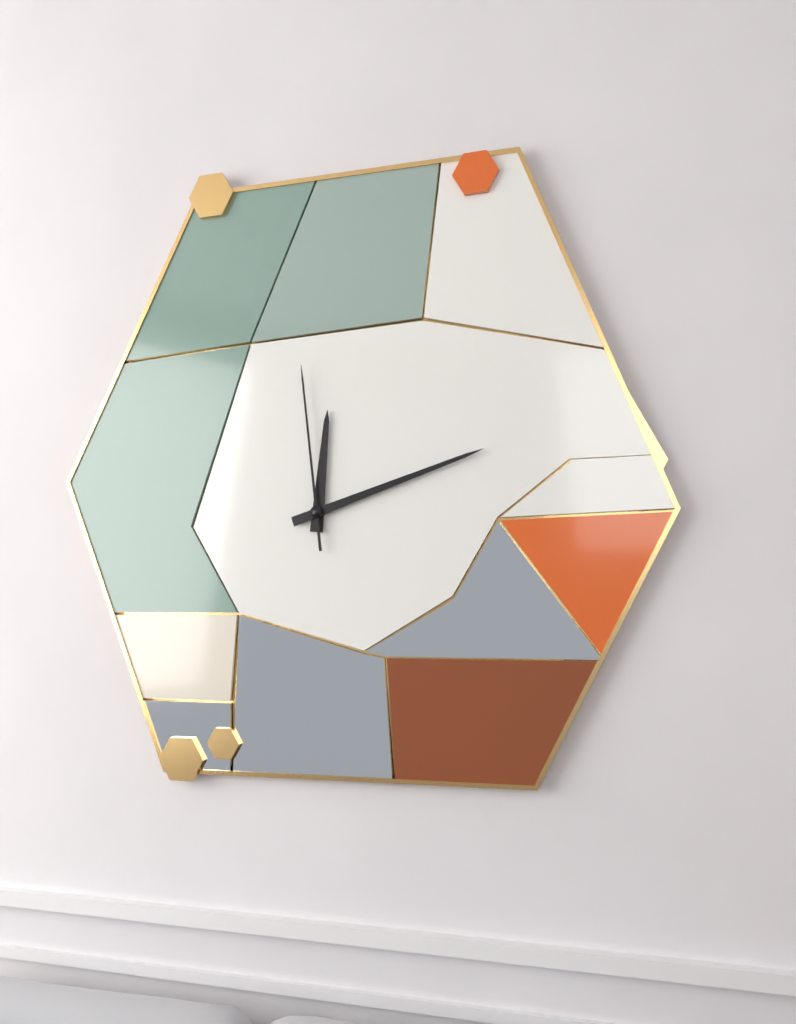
12:12:59
